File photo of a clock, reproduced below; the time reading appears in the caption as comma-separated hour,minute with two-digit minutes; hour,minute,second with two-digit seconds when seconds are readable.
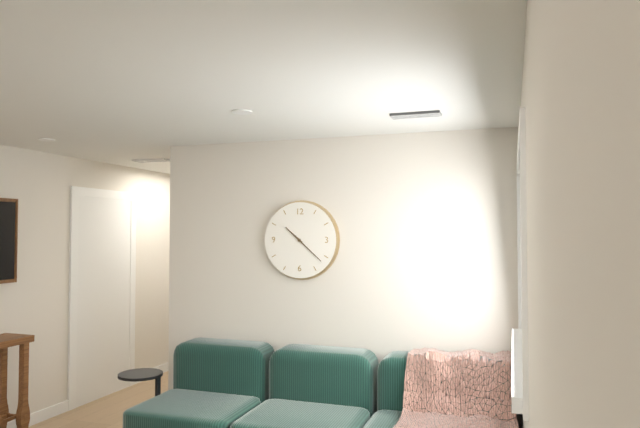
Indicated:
10,22
